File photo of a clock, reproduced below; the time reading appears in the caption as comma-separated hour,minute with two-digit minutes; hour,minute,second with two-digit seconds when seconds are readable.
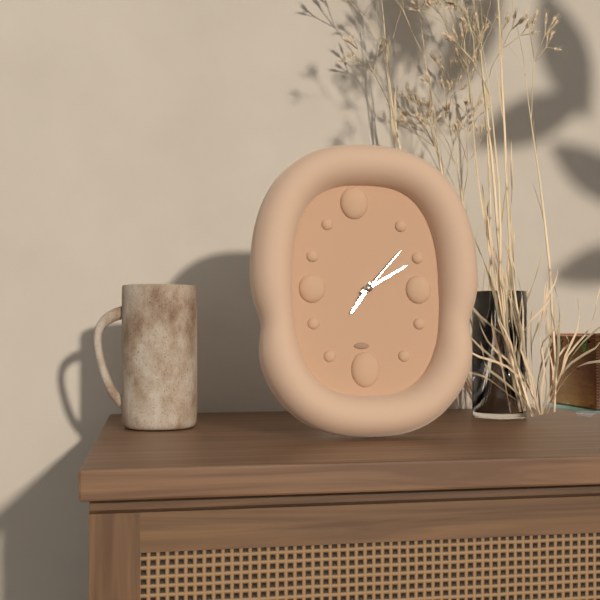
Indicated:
7,10,07
